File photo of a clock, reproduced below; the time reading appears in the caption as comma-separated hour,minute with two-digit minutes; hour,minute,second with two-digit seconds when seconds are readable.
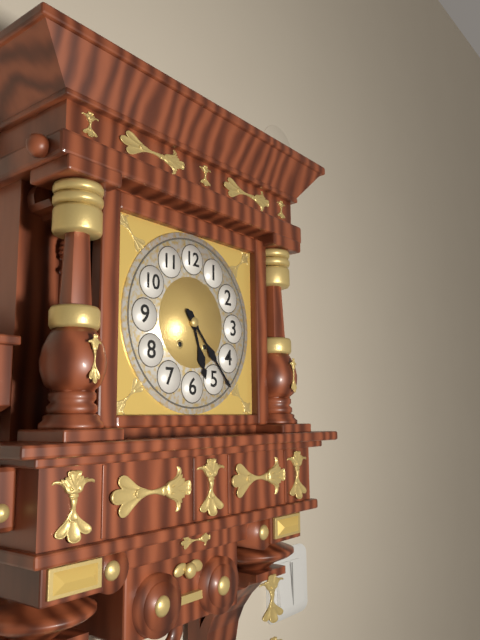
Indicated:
5,23
